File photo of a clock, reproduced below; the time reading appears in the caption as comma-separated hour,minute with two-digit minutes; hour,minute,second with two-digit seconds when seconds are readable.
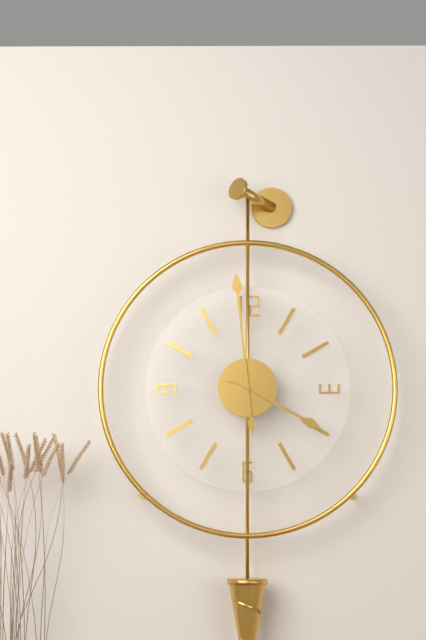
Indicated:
3,59
